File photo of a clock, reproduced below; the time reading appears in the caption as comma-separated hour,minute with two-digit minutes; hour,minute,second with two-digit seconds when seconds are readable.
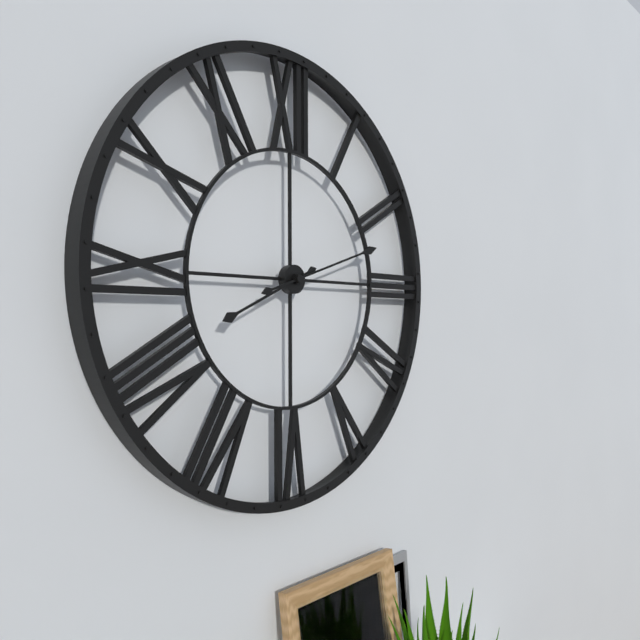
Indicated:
8,12
